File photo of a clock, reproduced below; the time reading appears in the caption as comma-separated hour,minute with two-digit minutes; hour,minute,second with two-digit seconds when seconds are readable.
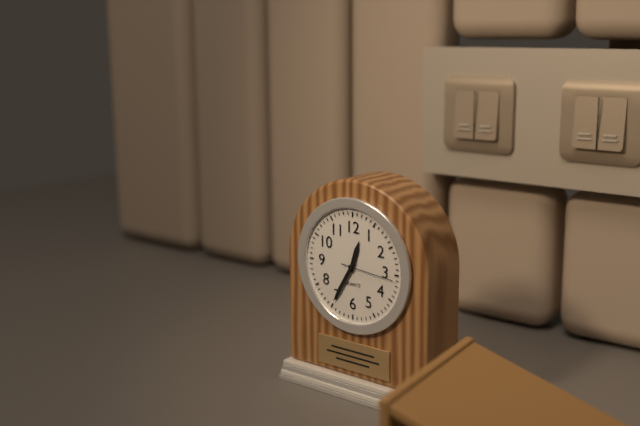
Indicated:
12,35,16
